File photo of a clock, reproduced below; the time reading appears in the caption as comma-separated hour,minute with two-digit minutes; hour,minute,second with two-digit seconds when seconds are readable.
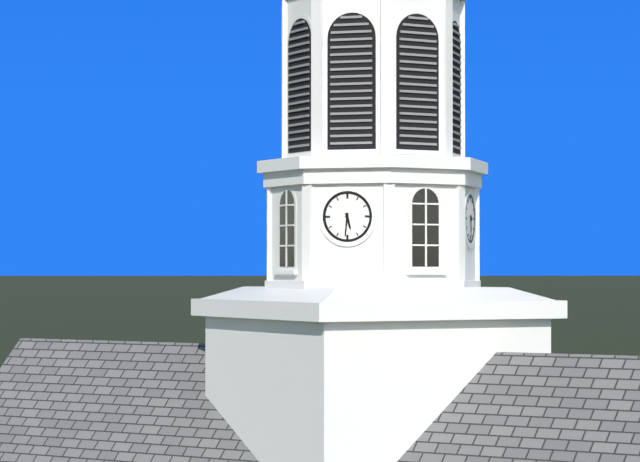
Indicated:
5,31
